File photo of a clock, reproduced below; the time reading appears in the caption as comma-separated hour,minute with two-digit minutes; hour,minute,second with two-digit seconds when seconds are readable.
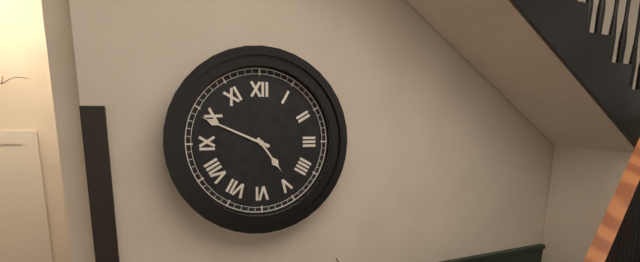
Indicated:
4,49
